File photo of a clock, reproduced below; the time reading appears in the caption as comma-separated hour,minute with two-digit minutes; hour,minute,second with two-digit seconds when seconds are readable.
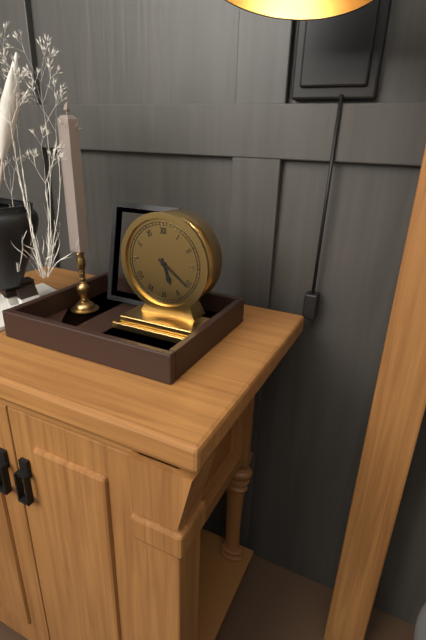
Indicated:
5,21
